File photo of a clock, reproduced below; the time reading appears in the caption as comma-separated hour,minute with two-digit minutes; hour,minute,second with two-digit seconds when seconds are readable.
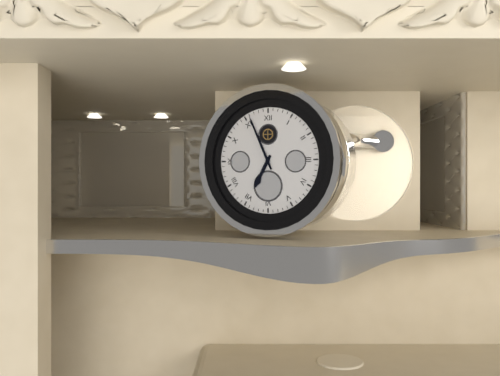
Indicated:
6,56
